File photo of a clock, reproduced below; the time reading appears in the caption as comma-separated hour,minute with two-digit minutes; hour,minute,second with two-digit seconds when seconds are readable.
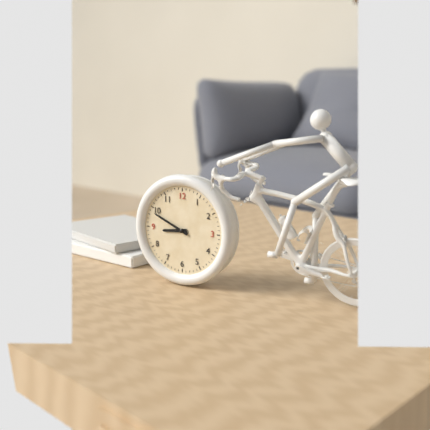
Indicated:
8,49
